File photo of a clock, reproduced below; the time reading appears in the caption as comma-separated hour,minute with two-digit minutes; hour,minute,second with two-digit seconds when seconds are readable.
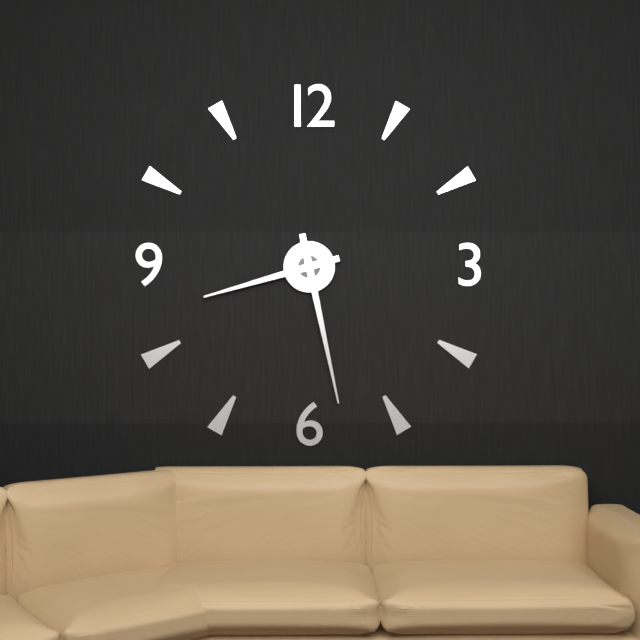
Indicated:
8,28
